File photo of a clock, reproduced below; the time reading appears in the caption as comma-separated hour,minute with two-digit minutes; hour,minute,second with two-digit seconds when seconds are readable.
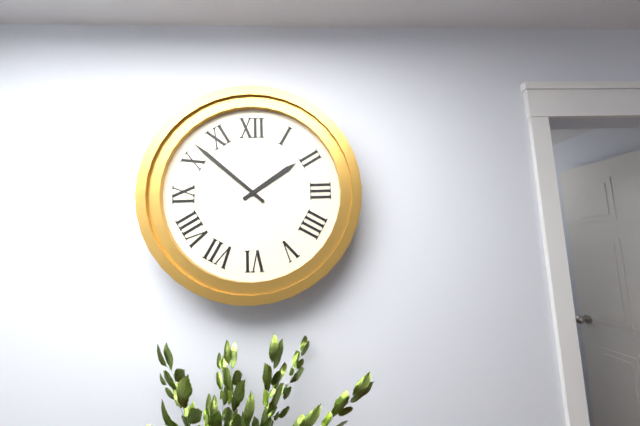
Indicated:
1,52
